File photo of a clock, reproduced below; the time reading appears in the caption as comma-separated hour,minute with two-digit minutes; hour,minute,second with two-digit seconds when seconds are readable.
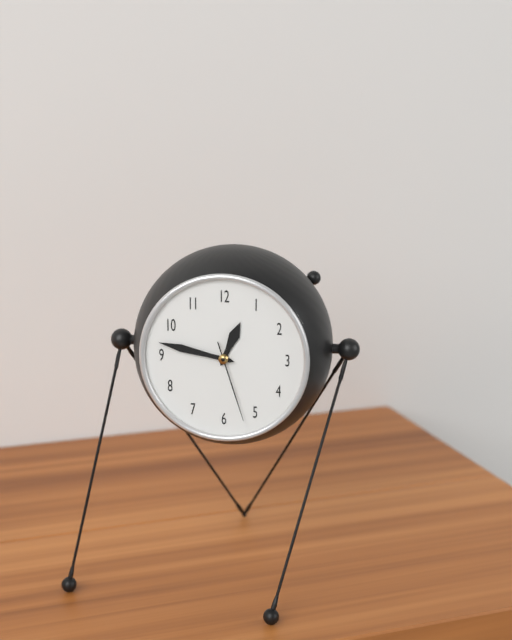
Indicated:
12,47,27
